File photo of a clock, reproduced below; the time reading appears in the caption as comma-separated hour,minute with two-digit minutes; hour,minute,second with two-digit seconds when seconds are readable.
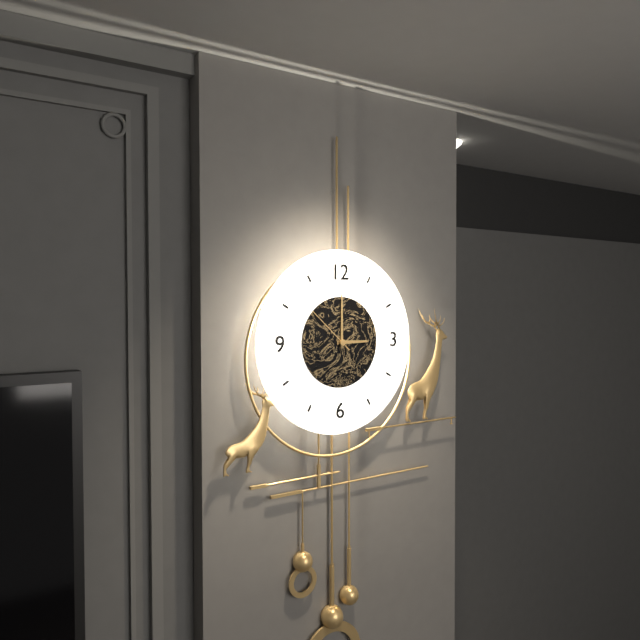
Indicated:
3,00,52
